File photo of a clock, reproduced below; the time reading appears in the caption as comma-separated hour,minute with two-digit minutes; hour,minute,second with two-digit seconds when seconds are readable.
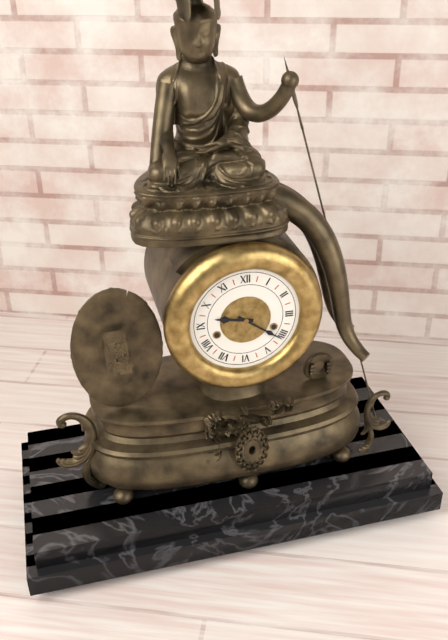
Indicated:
9,21
